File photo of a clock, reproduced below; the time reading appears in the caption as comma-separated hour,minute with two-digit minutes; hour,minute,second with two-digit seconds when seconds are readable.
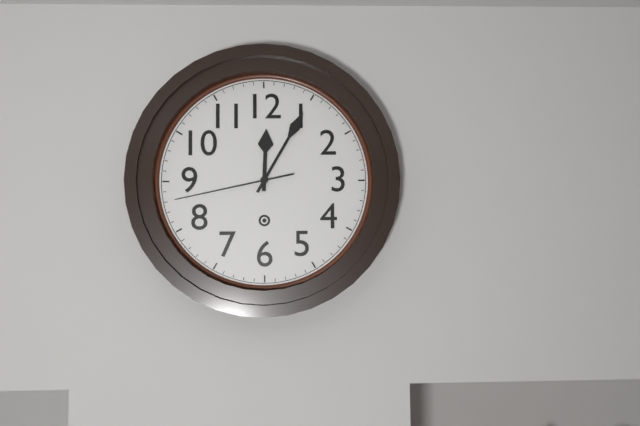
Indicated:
12,05,43
